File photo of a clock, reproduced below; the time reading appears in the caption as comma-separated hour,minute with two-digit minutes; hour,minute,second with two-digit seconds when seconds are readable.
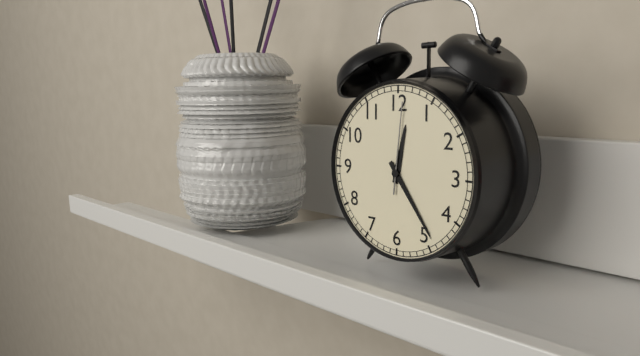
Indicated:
12,24,01
